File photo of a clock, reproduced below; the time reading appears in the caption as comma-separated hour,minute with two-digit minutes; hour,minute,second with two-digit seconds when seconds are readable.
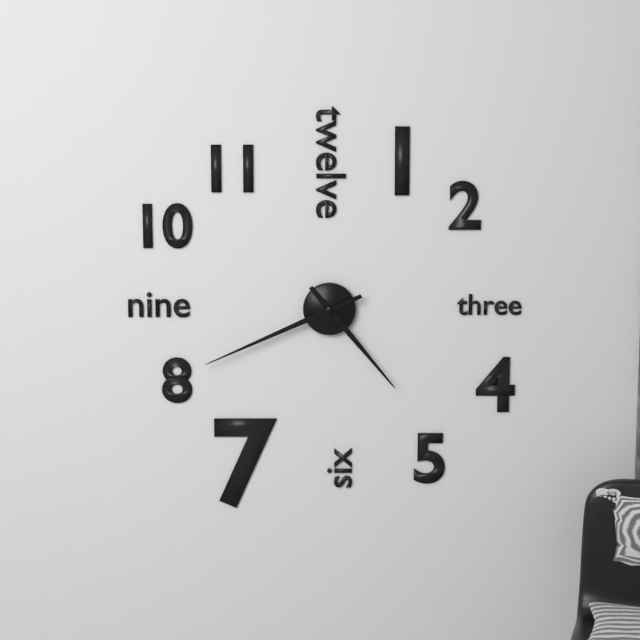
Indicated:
4,41
